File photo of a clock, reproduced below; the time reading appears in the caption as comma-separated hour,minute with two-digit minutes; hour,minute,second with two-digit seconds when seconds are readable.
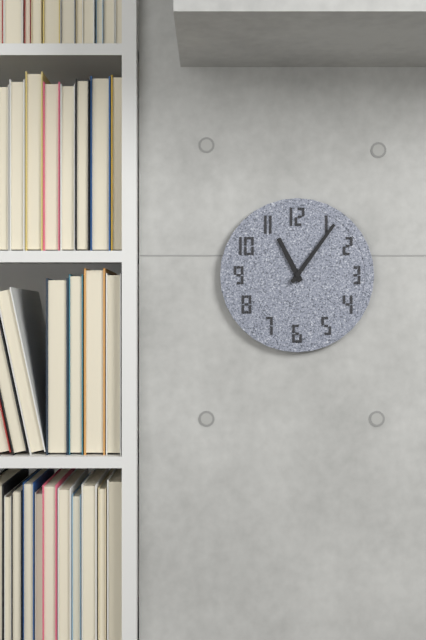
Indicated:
11,06
